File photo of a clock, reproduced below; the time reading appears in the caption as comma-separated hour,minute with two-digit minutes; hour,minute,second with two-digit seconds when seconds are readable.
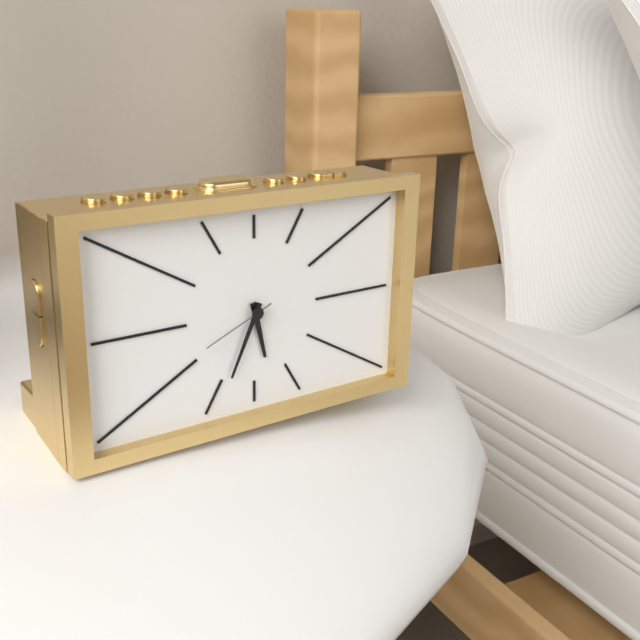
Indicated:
5,34,41
